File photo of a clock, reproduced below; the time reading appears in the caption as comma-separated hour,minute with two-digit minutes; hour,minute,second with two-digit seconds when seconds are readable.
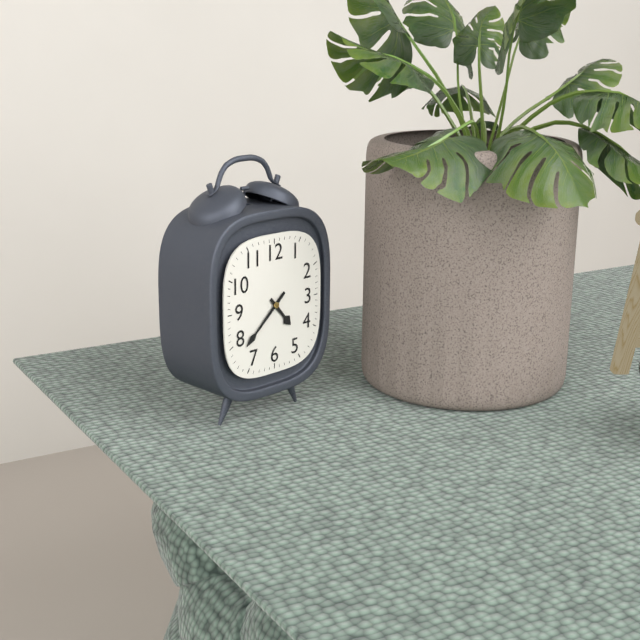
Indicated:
4,38
